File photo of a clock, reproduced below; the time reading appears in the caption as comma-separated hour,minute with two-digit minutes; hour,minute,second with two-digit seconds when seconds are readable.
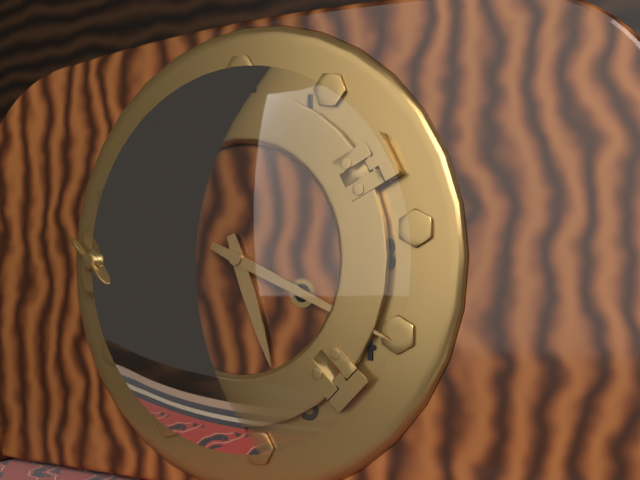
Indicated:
5,19
